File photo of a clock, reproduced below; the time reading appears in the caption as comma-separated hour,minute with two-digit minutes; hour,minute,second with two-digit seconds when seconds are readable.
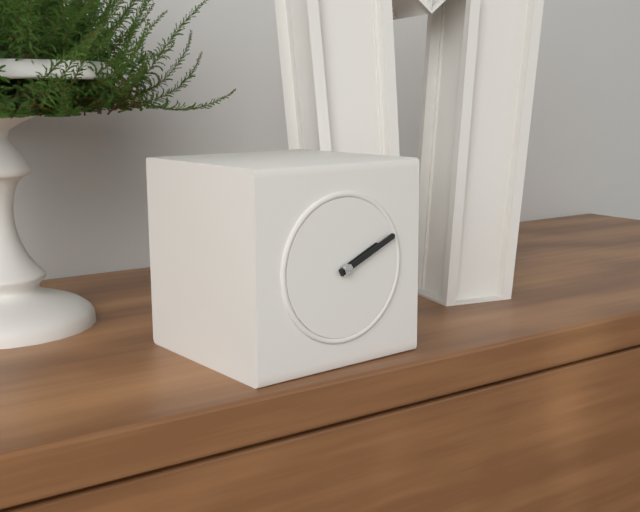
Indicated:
2,11
